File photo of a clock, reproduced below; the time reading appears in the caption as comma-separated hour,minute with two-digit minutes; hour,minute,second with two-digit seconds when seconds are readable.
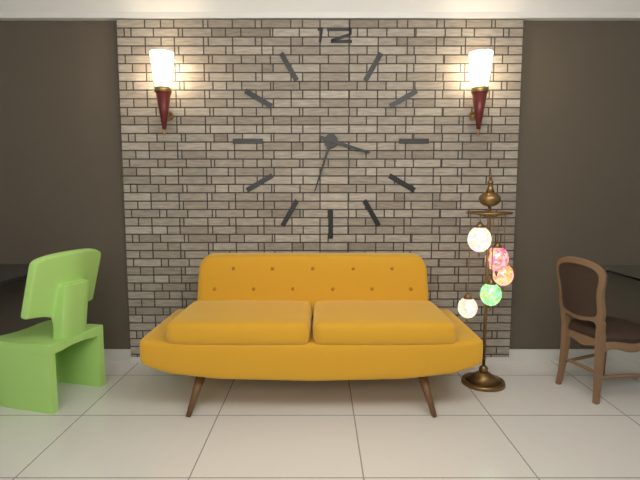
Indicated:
3,33
